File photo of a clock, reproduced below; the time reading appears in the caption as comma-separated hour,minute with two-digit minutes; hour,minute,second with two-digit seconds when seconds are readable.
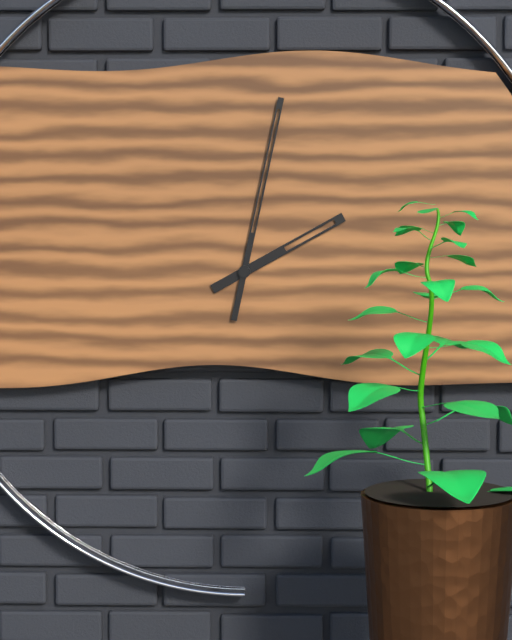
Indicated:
2,02
